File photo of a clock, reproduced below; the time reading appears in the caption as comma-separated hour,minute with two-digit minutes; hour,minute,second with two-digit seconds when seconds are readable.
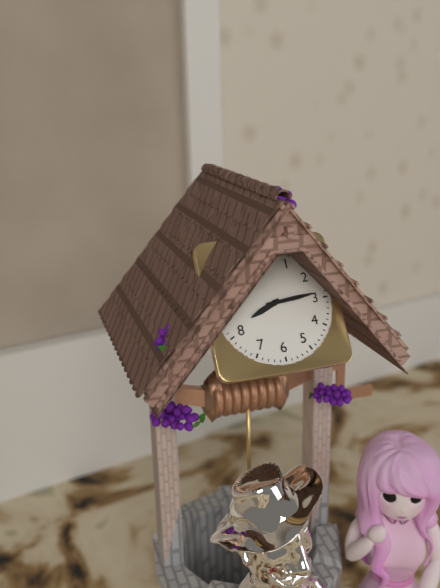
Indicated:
8,14
